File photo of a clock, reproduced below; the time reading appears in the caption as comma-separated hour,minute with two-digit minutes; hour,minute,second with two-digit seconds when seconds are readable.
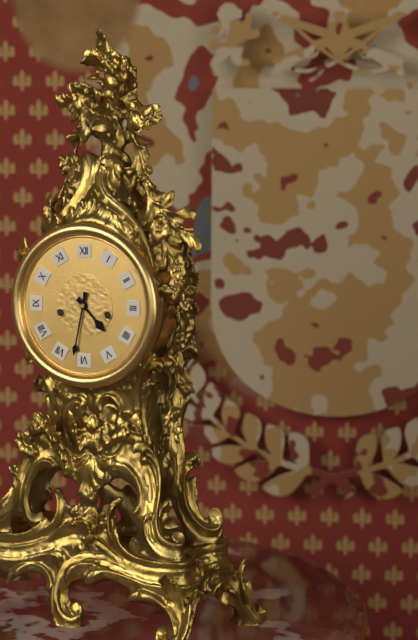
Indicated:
4,32
